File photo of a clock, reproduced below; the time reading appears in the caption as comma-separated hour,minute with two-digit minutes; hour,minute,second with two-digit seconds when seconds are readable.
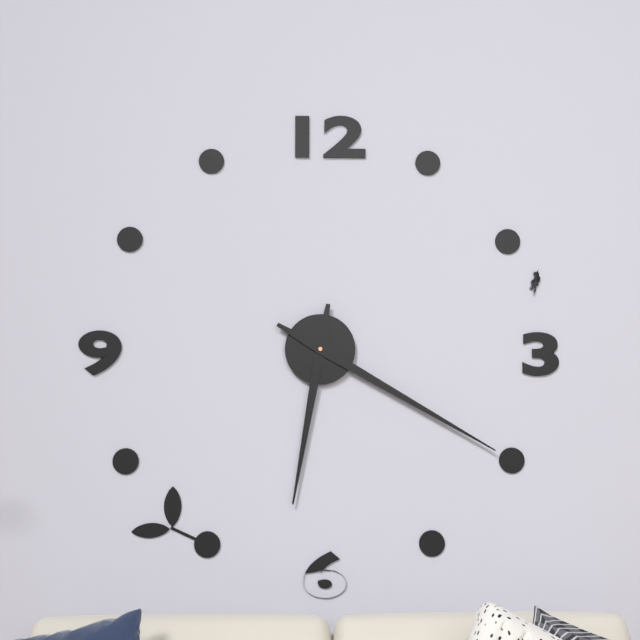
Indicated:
6,20
